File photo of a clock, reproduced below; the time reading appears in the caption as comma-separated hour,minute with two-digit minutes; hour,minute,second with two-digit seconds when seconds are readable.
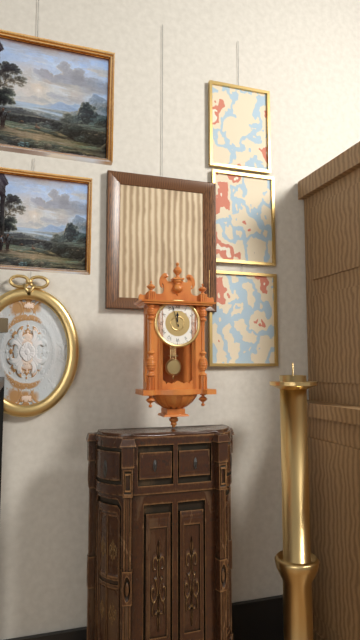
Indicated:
11,57
